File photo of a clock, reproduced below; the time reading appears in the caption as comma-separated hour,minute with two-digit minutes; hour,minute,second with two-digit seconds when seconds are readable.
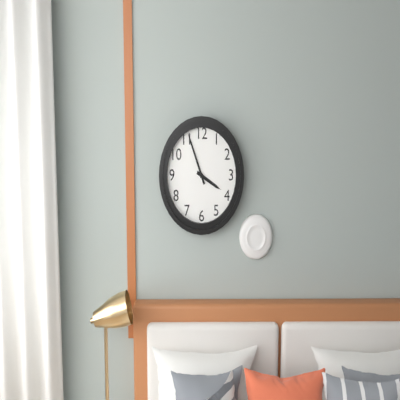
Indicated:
3,56
